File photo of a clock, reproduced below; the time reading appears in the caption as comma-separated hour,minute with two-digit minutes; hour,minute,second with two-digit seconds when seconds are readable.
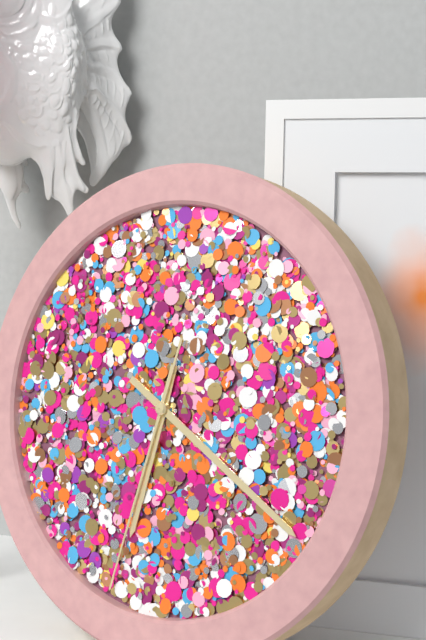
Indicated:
6,20,32
